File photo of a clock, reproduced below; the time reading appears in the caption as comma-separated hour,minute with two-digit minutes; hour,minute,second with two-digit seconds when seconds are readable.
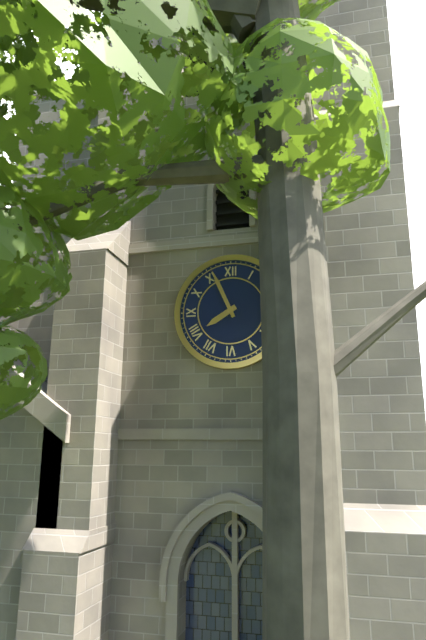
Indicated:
7,56
